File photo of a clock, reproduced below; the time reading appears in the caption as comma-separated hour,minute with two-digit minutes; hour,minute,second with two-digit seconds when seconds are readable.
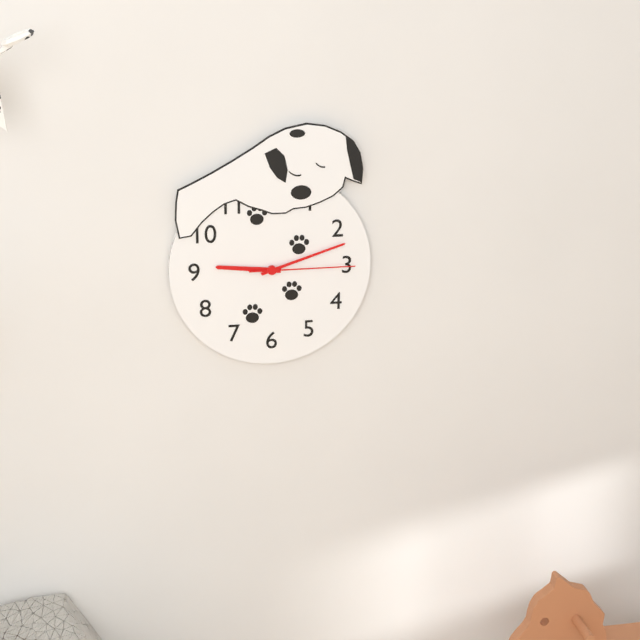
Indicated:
9,12,15
